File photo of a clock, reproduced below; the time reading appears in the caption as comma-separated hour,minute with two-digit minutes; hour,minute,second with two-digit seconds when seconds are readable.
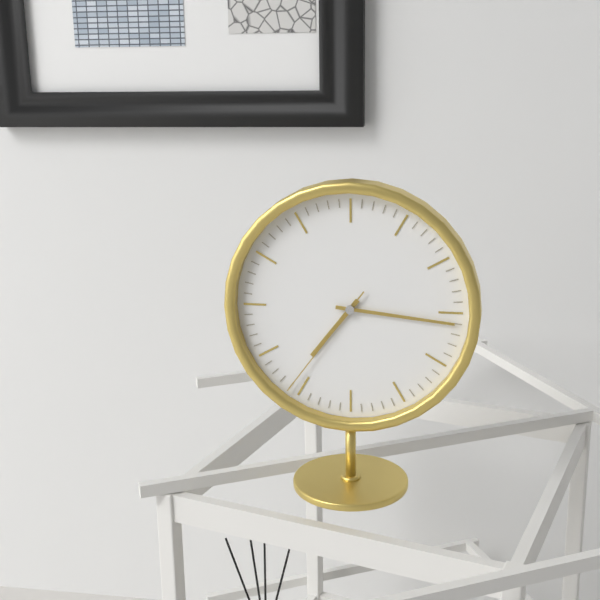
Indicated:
7,16,36
